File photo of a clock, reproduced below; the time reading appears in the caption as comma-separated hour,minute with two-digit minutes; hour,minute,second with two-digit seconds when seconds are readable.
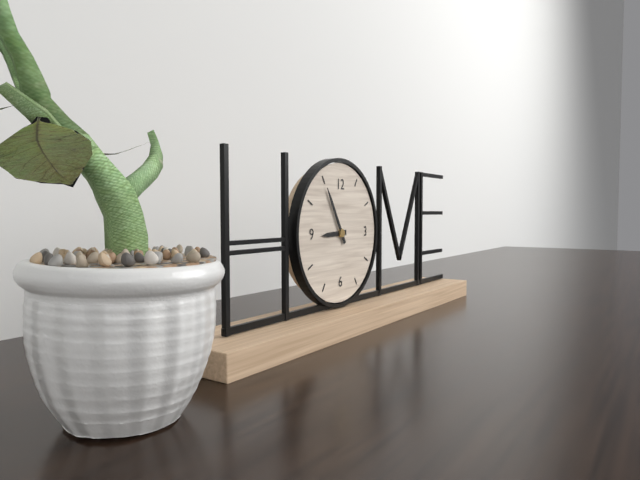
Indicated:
8,55
